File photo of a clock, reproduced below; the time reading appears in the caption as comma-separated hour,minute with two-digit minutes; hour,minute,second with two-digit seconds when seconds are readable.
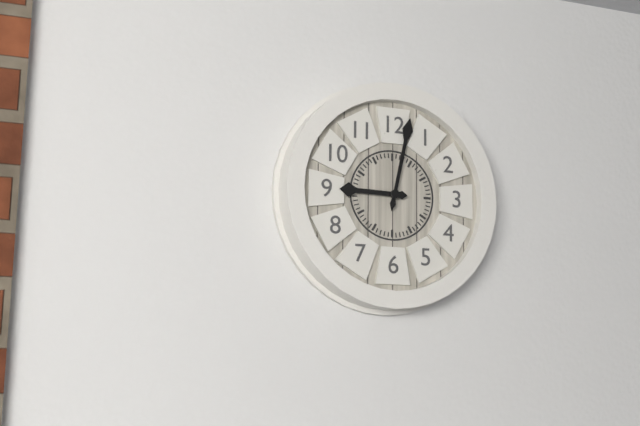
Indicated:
9,02
